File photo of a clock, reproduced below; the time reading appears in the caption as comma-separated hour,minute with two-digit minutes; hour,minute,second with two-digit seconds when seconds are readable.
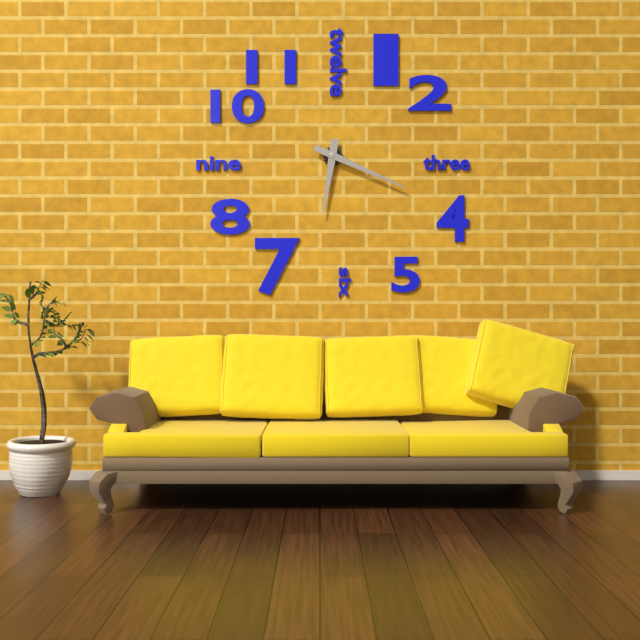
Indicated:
6,19
